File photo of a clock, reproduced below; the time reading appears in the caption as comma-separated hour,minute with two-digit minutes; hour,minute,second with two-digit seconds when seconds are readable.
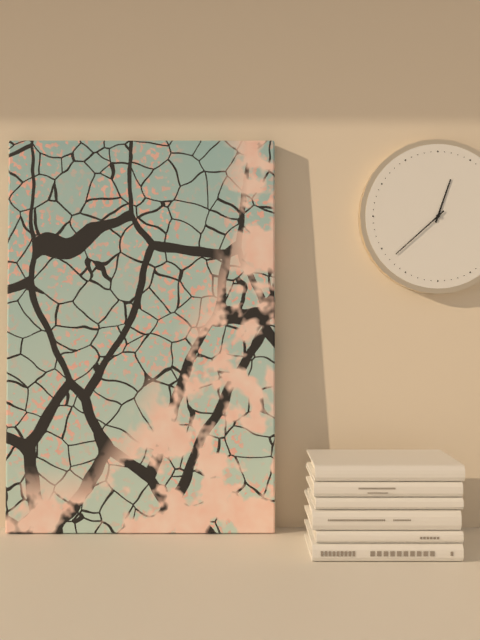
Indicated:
12,38
